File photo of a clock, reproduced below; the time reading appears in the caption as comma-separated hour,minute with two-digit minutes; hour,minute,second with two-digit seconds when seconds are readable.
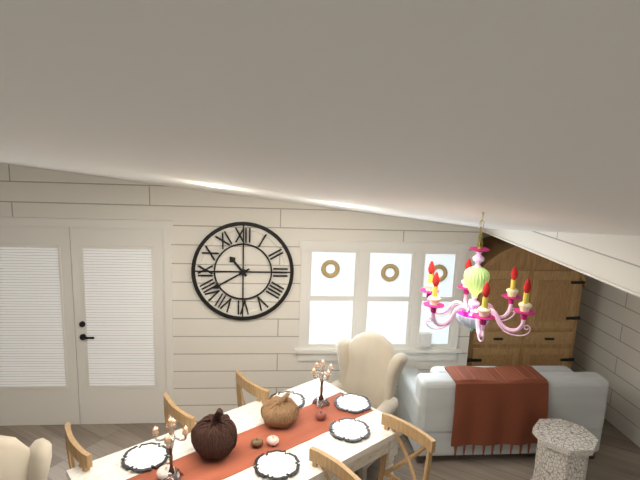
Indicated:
10,40
